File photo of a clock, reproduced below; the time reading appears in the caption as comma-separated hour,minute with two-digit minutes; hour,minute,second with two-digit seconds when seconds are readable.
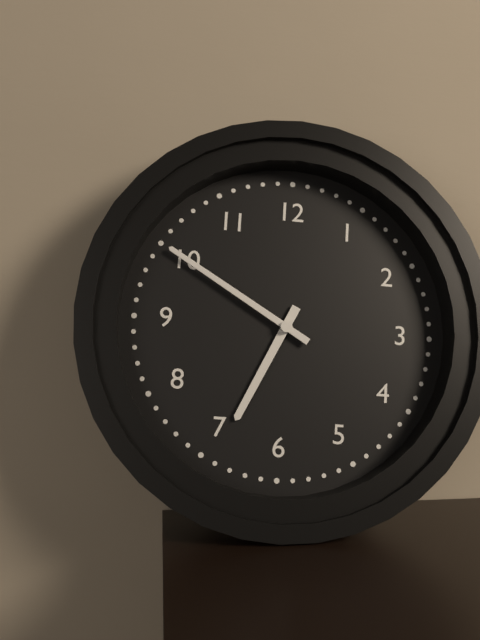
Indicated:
6,50
